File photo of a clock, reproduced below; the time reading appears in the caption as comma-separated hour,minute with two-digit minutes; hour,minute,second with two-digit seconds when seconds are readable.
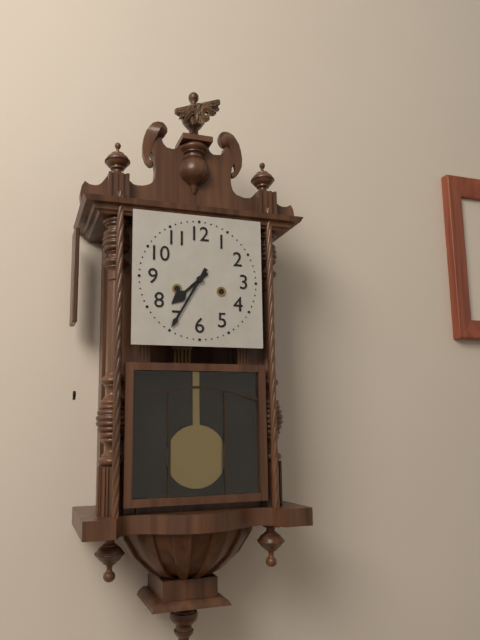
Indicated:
7,35
